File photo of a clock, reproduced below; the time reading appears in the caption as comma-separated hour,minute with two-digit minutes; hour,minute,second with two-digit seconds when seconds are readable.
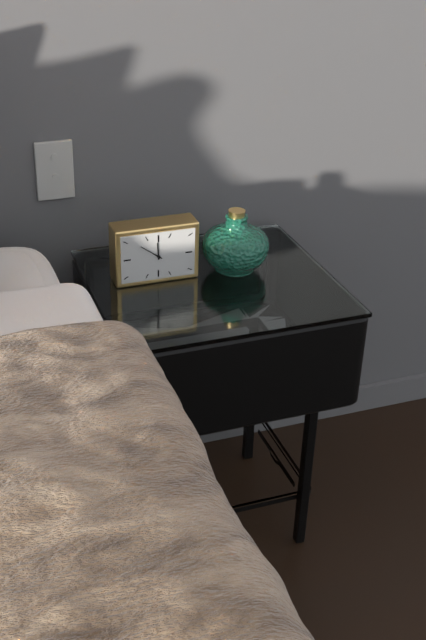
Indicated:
11,51
